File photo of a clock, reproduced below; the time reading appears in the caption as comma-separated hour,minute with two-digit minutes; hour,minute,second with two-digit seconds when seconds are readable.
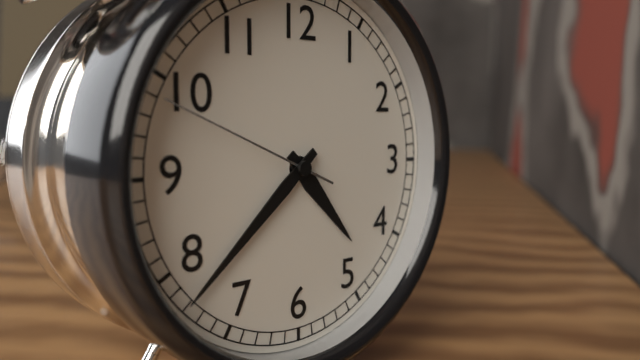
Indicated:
4,38,49
